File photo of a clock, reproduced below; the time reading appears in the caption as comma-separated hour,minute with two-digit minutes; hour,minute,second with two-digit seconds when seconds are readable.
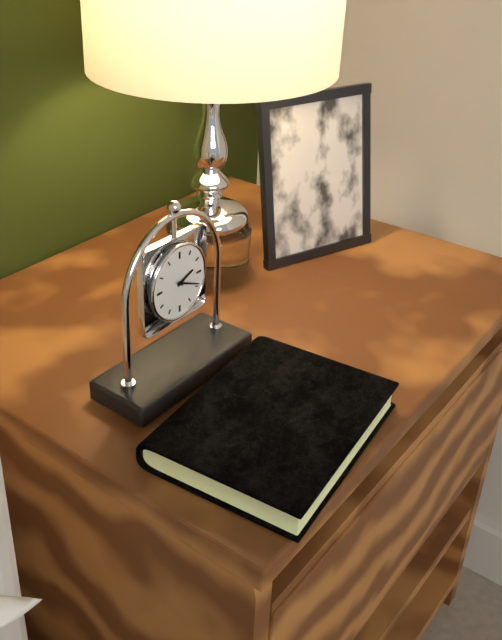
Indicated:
2,19
